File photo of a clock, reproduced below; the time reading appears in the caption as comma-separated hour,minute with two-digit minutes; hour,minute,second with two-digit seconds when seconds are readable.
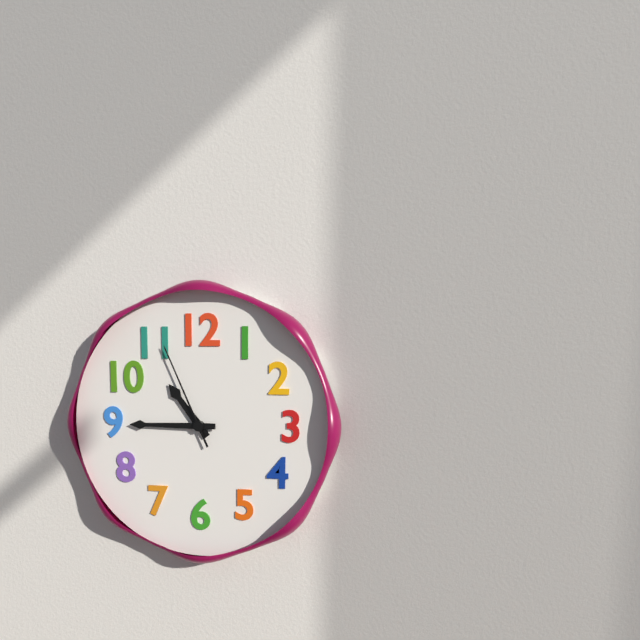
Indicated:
10,45,56
